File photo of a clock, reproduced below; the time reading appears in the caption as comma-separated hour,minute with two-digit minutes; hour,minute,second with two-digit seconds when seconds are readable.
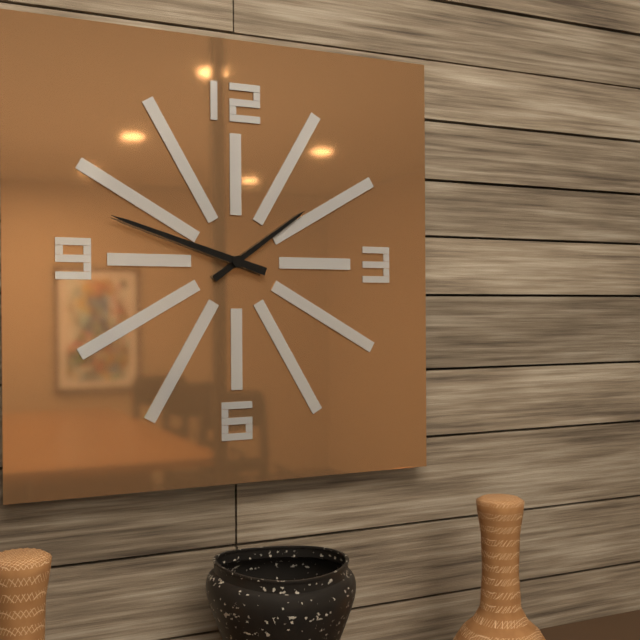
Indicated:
1,48
